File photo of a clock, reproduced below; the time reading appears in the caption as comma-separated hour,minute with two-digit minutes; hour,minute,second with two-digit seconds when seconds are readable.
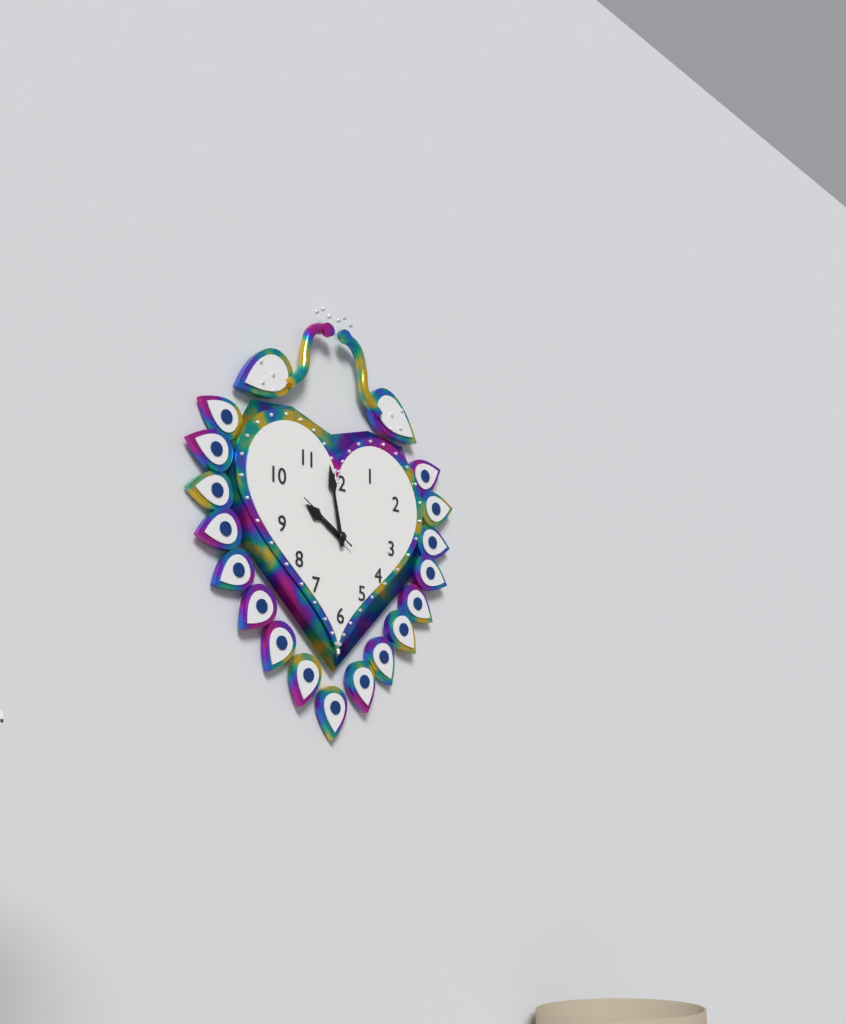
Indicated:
9,58,50
